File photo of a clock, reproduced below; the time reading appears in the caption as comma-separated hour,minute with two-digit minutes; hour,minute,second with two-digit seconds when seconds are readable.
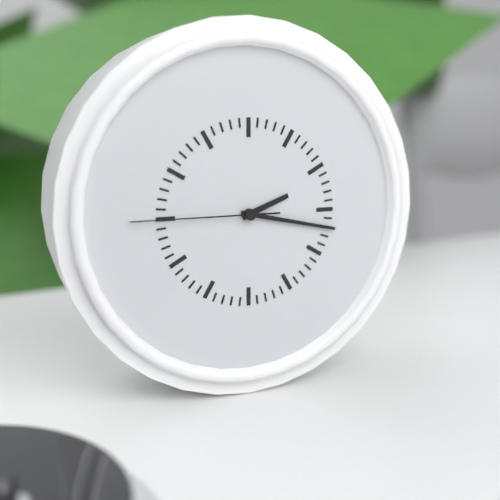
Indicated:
2,17,45
